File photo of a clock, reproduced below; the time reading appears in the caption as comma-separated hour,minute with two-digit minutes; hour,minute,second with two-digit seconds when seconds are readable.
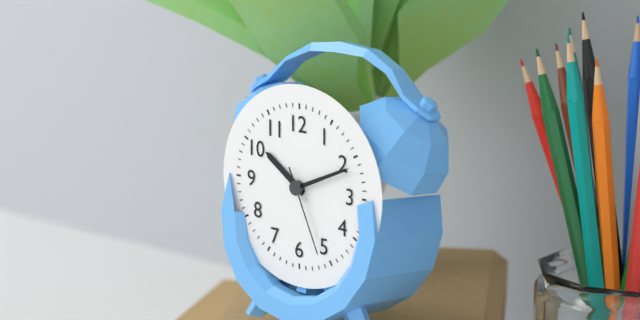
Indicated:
10,11,26
